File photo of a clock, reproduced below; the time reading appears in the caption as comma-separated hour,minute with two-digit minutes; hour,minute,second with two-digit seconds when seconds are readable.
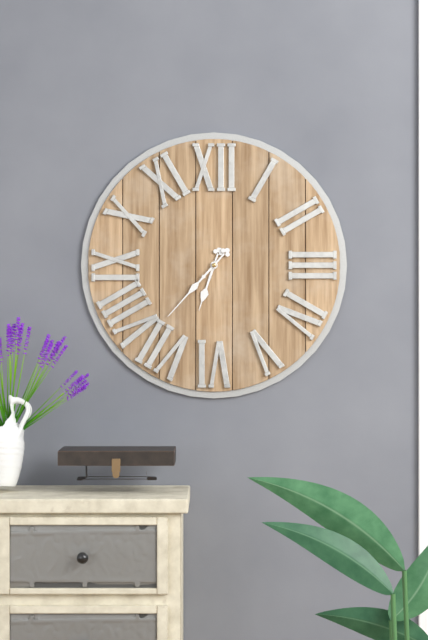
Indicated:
6,37
